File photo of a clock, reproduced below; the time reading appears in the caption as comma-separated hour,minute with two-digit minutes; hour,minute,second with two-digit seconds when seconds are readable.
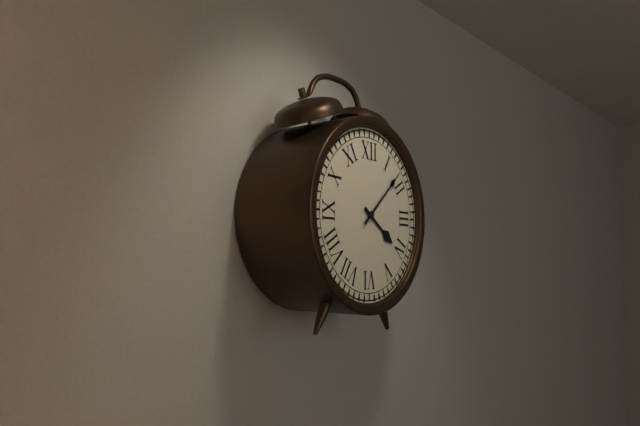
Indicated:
4,08
